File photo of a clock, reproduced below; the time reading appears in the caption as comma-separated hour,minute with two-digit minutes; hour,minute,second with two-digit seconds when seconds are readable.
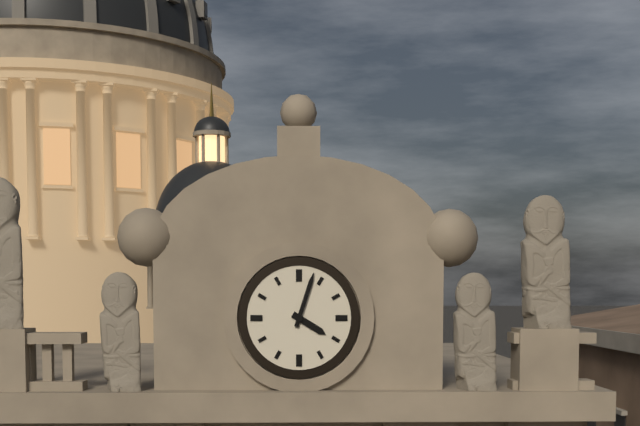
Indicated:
4,03
